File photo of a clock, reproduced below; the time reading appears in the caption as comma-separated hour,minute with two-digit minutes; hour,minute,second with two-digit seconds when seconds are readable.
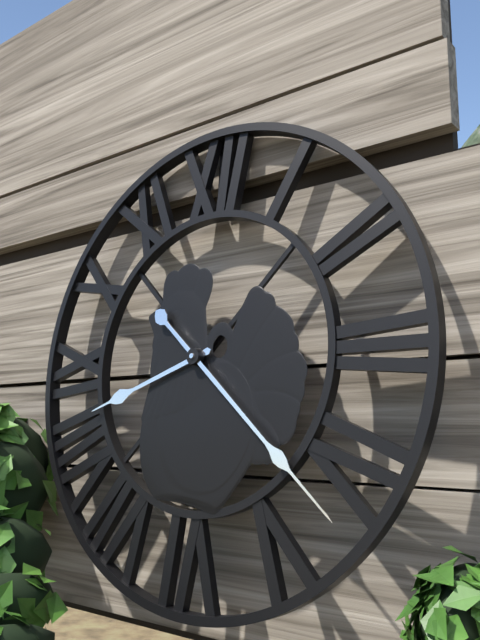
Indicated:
8,22
